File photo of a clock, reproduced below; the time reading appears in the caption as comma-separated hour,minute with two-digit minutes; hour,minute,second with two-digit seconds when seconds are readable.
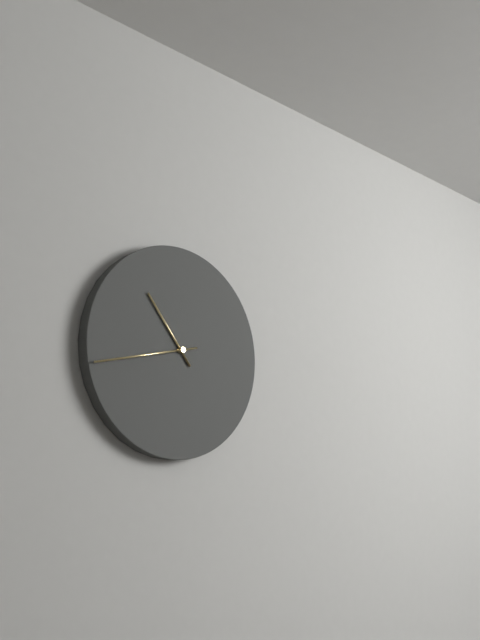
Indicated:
10,43
